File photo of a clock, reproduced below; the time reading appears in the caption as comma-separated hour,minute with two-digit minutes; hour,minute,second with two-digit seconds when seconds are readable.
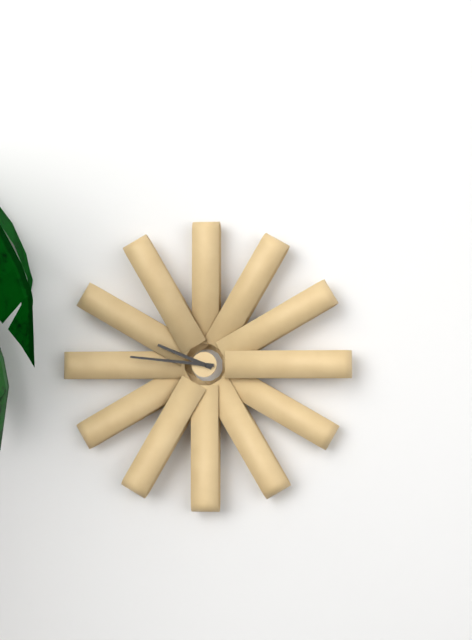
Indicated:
9,46
